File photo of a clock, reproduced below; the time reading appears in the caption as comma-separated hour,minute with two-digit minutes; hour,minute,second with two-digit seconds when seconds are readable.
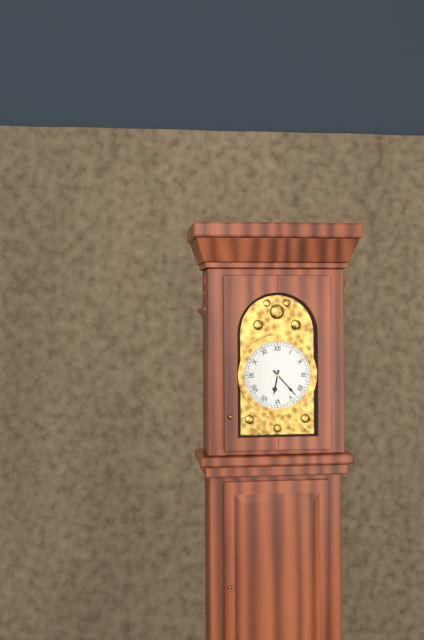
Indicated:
6,23
